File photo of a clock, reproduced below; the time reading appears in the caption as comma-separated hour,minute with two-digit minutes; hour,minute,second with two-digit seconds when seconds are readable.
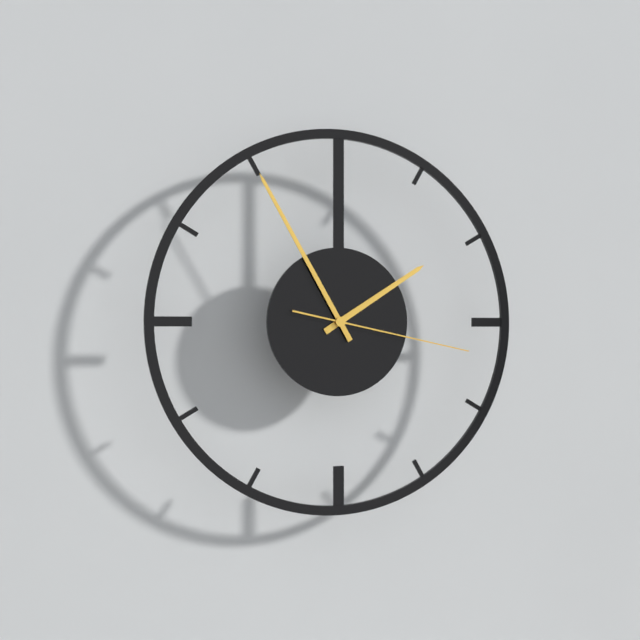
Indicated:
1,55,17
